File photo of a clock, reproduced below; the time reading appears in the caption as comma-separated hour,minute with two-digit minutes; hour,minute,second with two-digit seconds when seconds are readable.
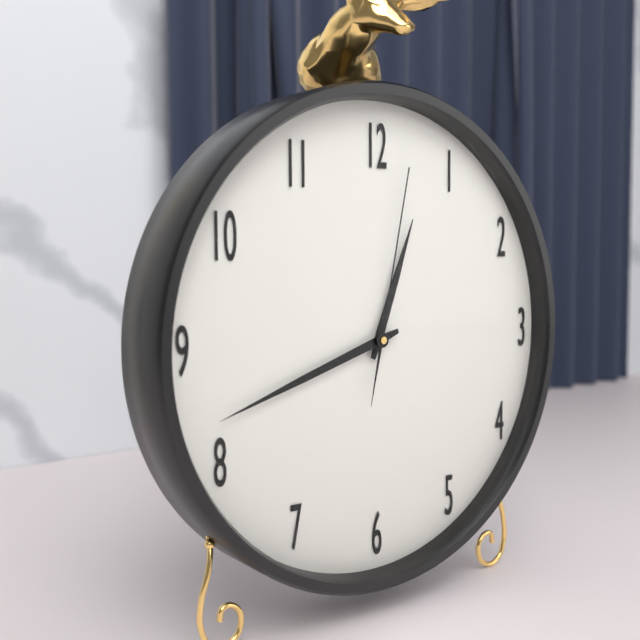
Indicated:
12,42,02
